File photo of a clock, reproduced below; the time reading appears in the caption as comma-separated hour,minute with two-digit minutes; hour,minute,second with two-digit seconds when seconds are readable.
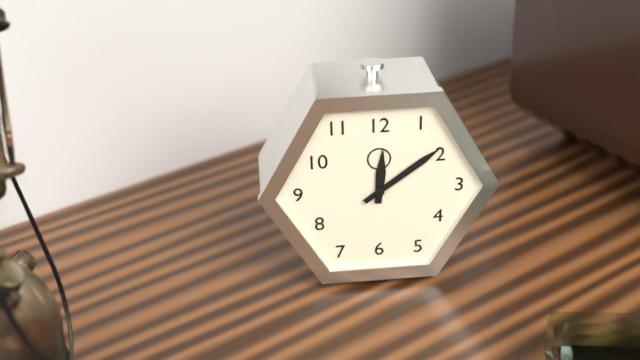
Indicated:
12,09
